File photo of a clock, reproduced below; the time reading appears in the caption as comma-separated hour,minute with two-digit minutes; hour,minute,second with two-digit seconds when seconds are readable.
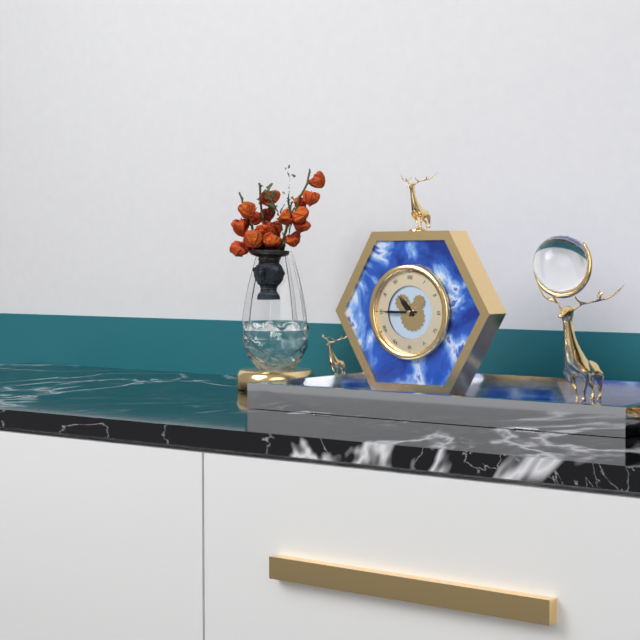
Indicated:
10,45
